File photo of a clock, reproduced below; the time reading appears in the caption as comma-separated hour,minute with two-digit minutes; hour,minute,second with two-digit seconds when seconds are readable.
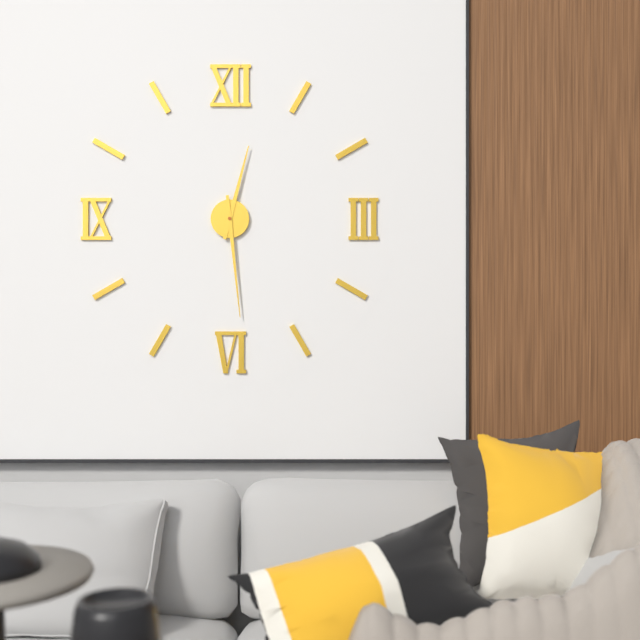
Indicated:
12,29
